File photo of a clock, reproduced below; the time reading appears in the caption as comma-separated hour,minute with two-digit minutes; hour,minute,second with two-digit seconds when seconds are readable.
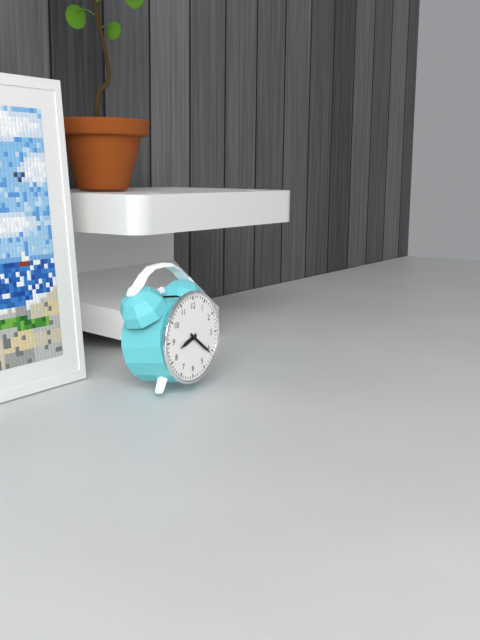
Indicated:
8,21
